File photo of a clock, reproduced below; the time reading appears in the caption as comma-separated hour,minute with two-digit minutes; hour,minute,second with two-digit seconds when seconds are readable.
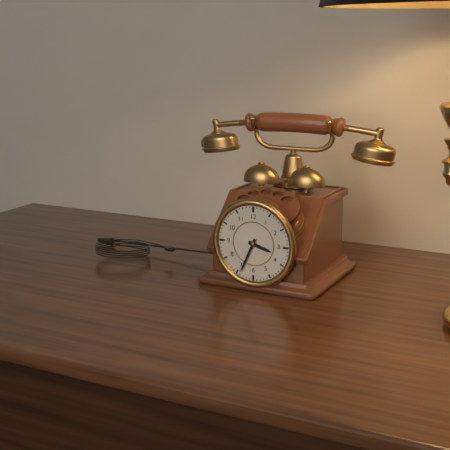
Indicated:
3,34
